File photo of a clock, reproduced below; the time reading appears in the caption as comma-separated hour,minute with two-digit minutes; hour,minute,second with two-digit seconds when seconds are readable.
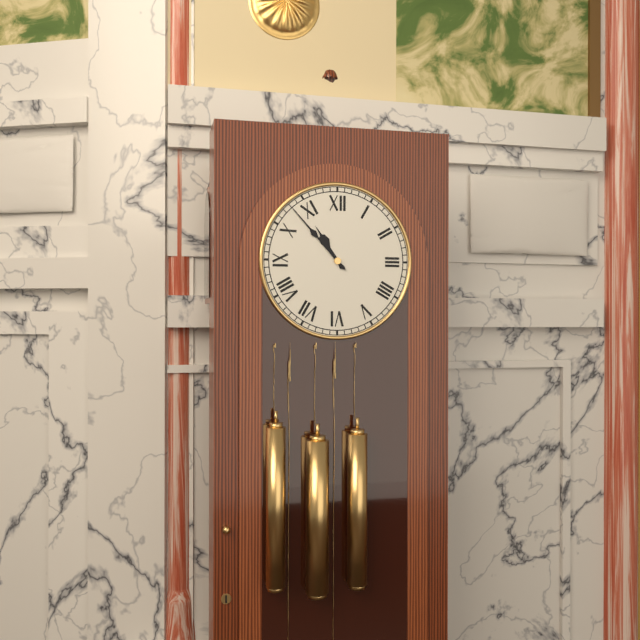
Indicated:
10,53
